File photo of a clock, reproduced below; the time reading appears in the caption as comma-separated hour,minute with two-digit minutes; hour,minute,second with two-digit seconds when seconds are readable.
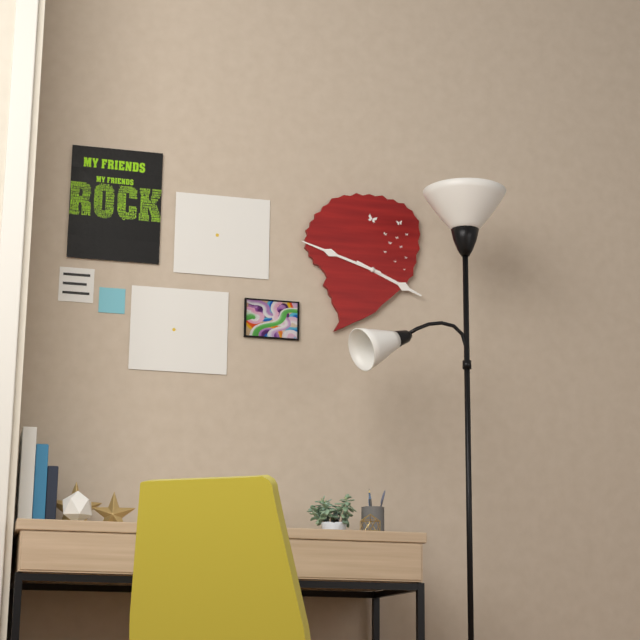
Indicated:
3,48
